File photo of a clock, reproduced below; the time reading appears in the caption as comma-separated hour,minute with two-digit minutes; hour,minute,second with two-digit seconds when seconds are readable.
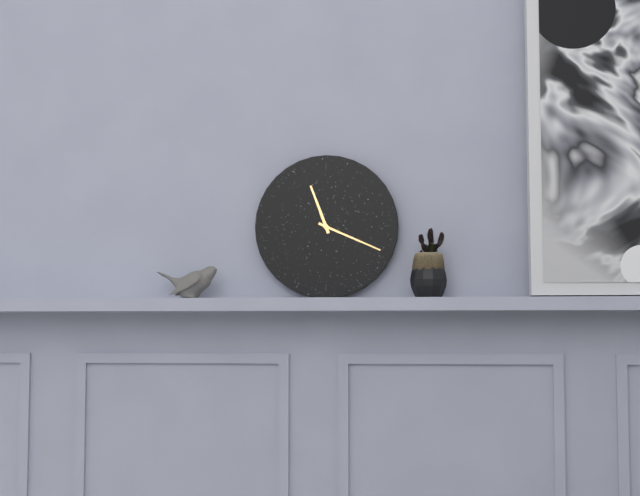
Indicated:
11,19
